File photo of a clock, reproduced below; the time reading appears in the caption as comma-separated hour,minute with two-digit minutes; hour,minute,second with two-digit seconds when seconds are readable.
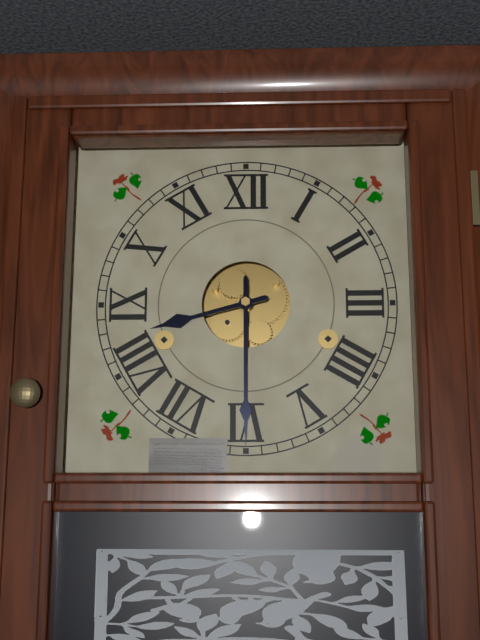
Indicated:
8,30
